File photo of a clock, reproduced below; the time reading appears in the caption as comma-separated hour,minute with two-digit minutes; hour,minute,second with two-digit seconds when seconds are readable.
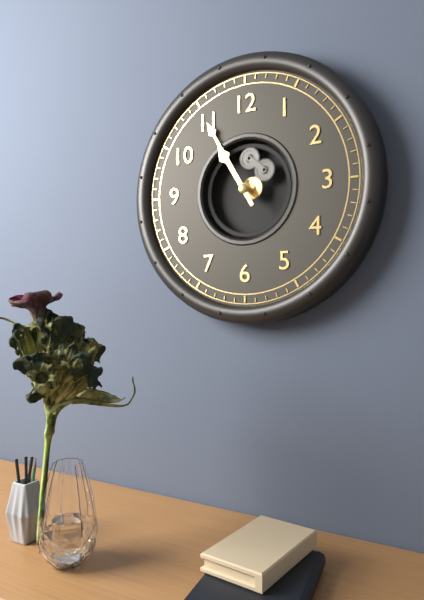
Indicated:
10,55
